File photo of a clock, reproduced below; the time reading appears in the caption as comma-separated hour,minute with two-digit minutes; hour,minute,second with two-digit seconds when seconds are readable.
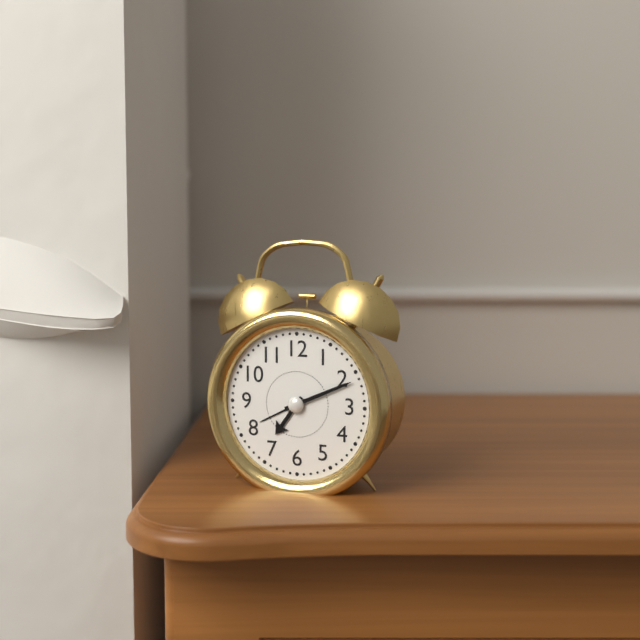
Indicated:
7,11
